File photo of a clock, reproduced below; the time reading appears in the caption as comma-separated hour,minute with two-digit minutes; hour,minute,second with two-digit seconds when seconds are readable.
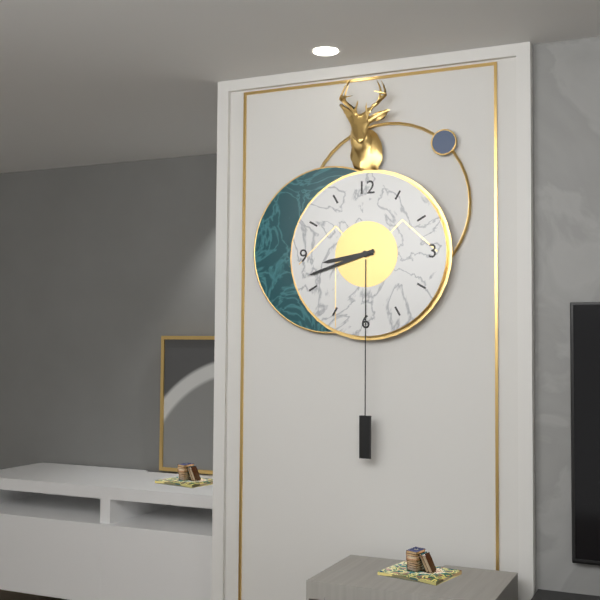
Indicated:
8,42
